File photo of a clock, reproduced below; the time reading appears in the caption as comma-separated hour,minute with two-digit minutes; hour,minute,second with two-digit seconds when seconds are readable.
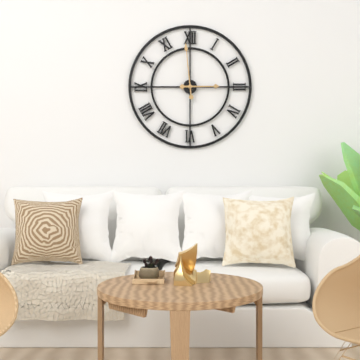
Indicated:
2,59
